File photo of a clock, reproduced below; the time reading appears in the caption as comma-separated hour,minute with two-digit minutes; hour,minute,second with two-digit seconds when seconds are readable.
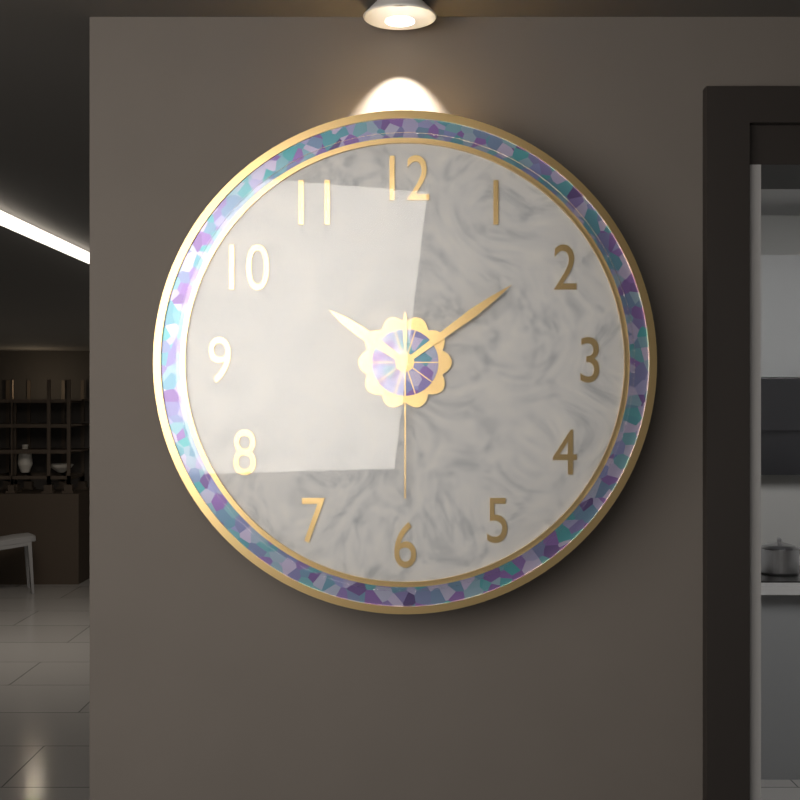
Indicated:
10,09,30
